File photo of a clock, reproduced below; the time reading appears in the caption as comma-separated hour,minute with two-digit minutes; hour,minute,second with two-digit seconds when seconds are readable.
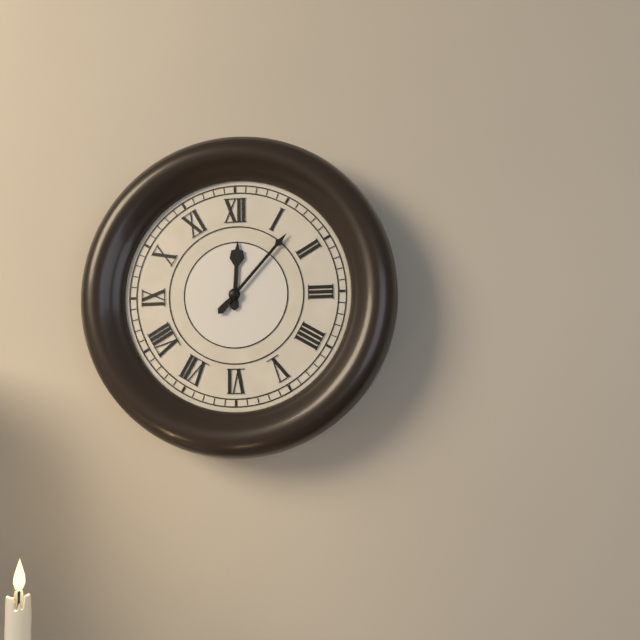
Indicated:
12,07
